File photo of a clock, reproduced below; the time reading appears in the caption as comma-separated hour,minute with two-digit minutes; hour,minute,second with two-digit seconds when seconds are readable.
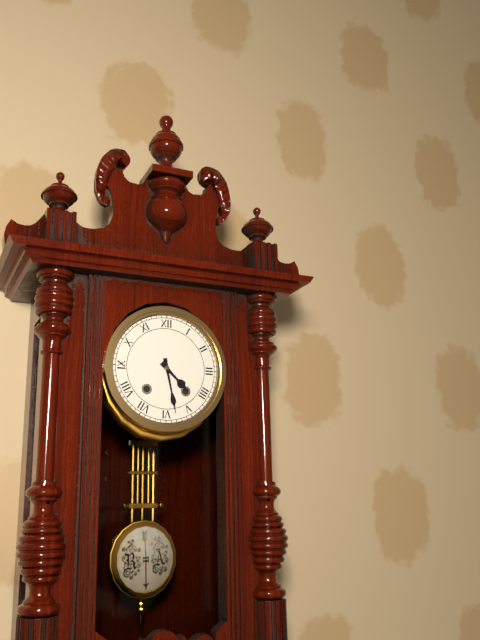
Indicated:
4,28
